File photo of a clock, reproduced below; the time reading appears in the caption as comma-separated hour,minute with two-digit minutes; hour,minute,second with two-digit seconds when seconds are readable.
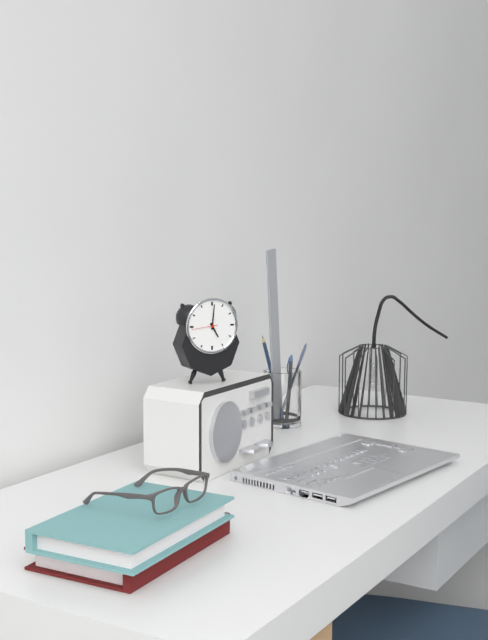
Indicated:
5,01
